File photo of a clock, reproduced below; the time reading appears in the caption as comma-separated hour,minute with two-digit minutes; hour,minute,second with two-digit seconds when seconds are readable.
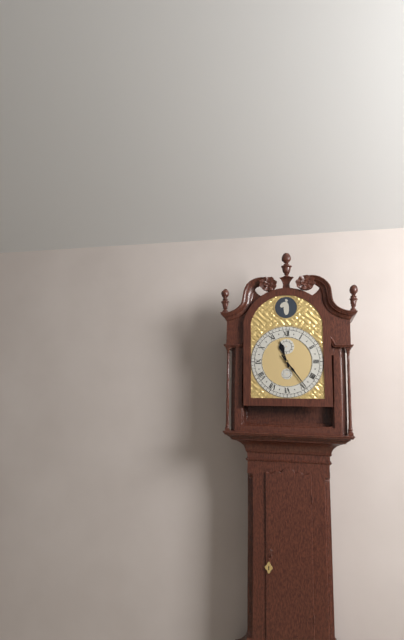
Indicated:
11,24
